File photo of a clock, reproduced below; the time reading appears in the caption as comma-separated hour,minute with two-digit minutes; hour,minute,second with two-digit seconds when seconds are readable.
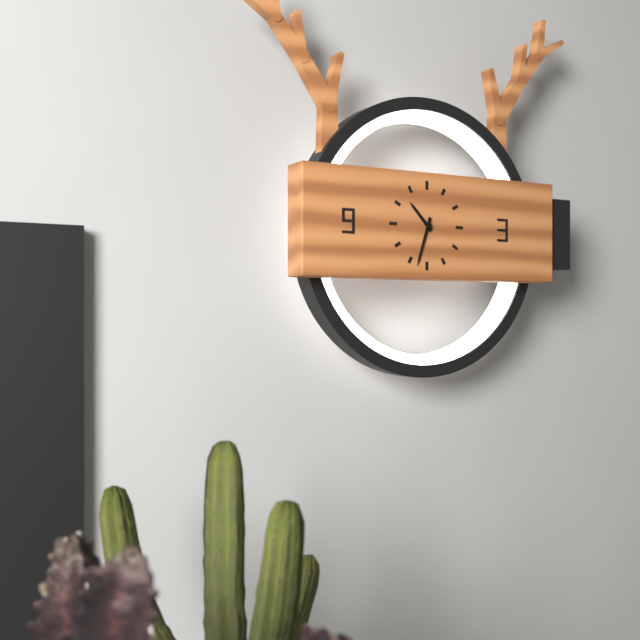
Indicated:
10,33
